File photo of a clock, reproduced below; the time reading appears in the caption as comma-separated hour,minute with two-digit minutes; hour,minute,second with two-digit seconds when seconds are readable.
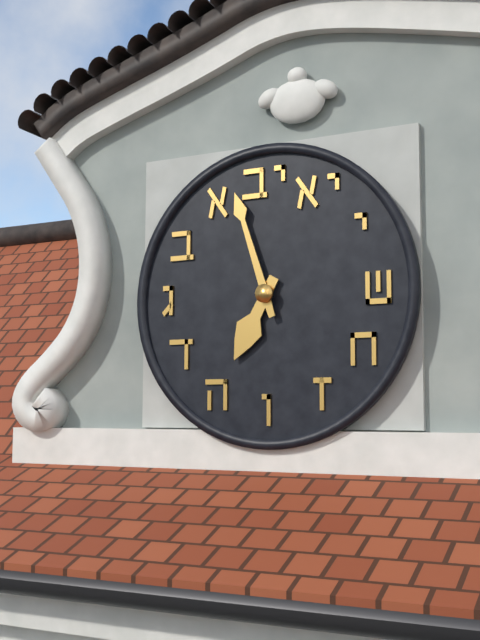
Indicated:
6,57
